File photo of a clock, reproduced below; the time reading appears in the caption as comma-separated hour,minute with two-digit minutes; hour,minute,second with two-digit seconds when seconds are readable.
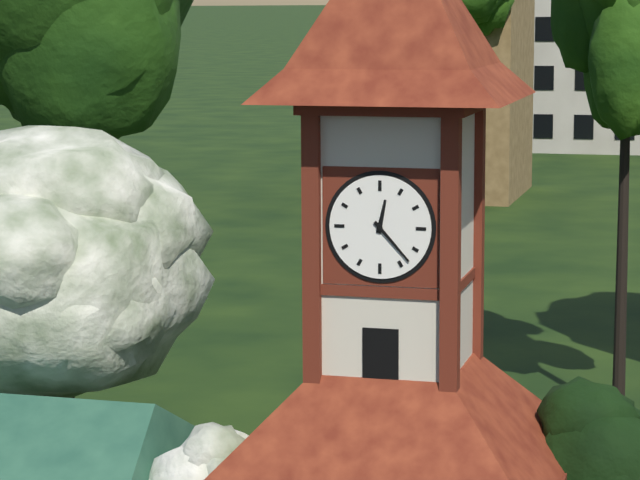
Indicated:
12,23
